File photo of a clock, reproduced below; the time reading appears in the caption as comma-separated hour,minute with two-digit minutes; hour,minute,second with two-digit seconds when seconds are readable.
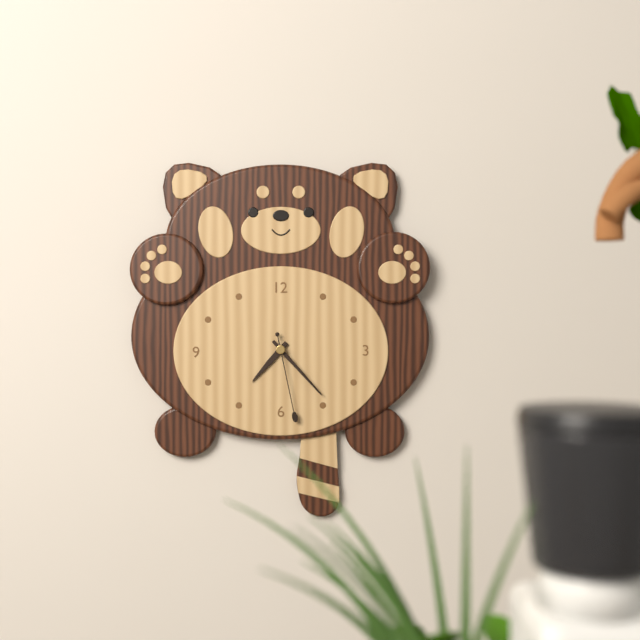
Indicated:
7,23,28
